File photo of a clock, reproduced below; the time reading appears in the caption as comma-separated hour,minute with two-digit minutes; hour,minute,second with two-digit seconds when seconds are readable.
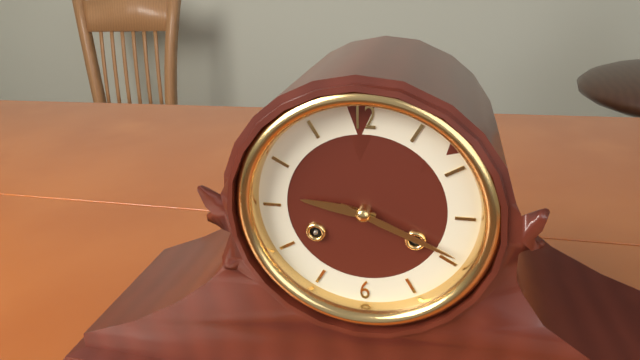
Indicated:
9,19
